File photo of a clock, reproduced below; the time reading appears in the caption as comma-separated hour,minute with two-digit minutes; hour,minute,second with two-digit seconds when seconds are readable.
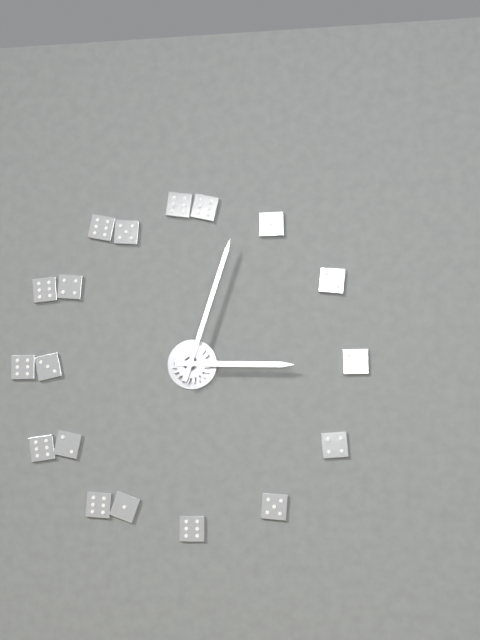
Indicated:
3,03
